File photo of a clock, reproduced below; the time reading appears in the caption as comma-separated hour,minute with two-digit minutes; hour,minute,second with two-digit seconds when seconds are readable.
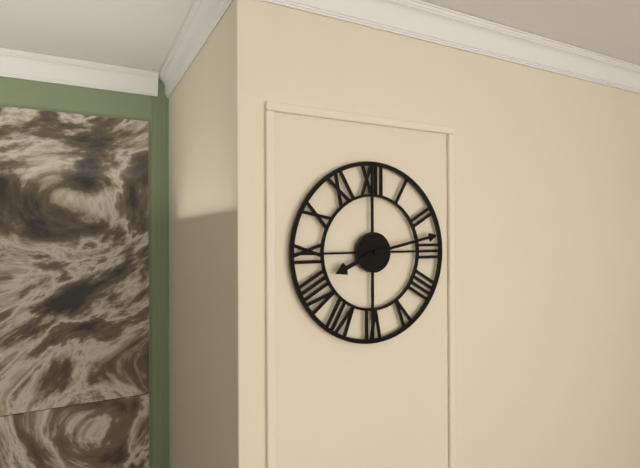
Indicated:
8,13
